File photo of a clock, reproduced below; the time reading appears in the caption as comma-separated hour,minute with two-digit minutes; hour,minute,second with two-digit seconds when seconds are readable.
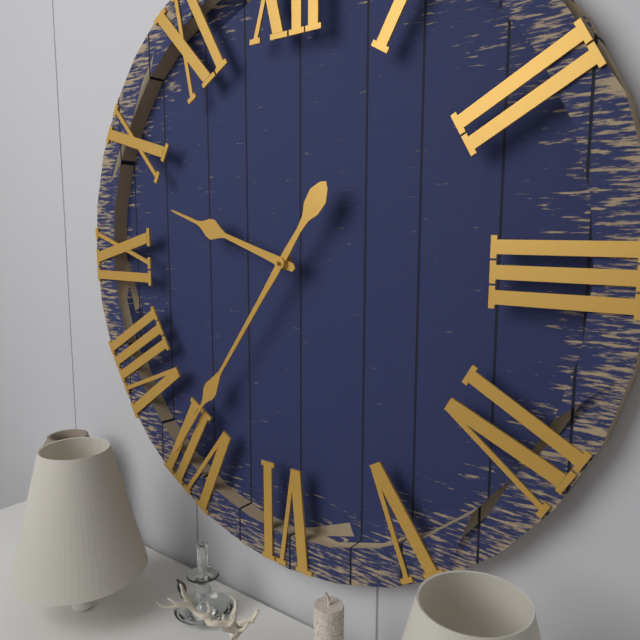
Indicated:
9,36
